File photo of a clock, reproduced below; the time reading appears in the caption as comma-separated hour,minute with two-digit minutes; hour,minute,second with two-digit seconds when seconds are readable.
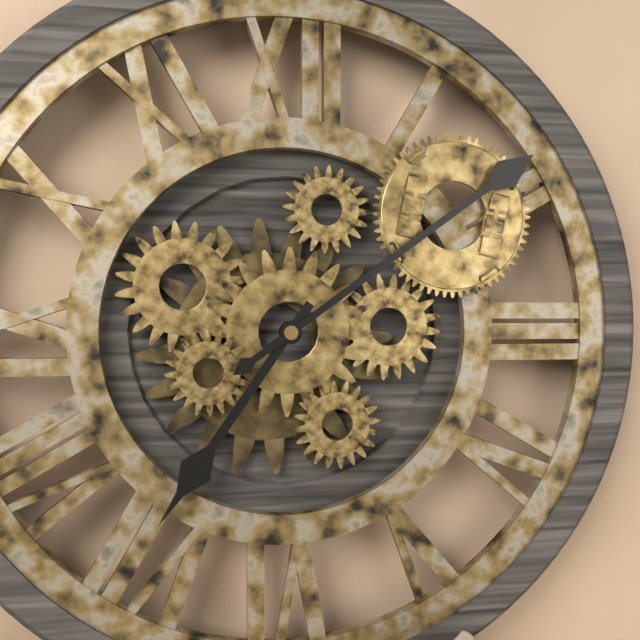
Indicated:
7,09
